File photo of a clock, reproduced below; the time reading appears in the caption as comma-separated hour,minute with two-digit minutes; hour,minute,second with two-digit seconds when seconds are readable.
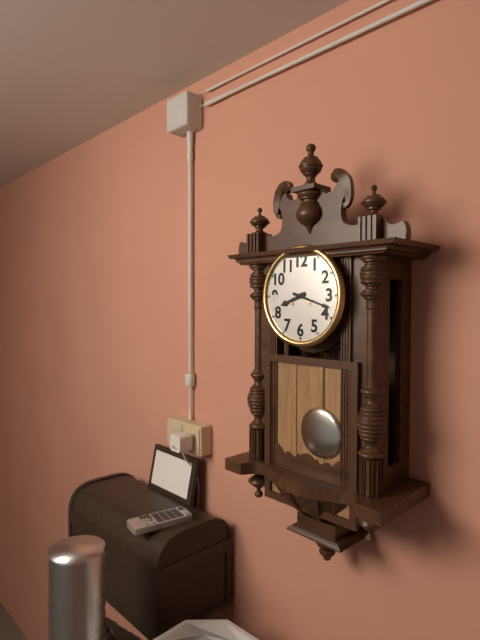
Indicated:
8,18
